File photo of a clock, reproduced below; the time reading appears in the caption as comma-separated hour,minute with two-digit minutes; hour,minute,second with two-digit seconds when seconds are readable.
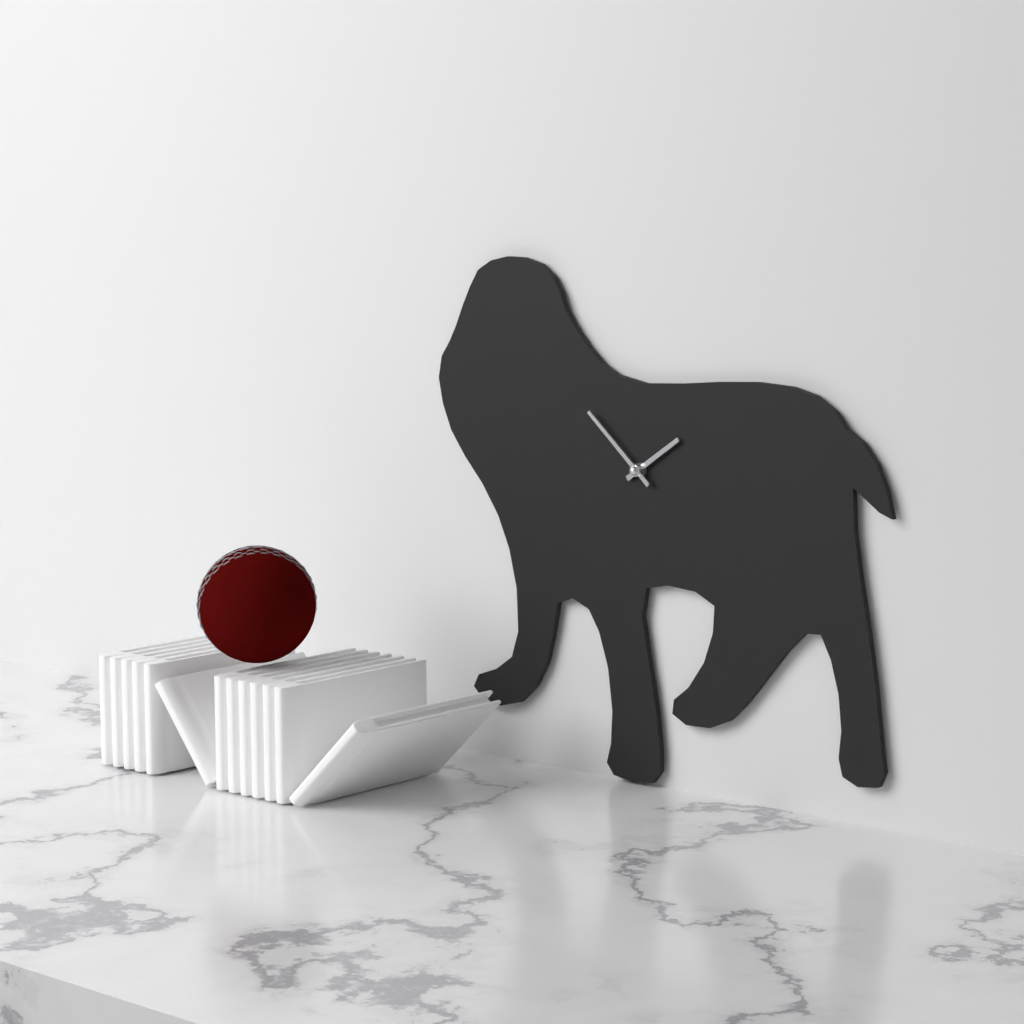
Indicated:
1,52
